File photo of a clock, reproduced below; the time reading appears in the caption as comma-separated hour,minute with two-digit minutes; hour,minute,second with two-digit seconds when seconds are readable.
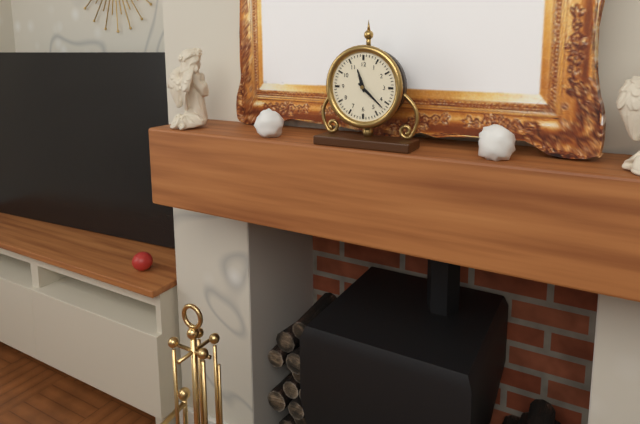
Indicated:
11,22
